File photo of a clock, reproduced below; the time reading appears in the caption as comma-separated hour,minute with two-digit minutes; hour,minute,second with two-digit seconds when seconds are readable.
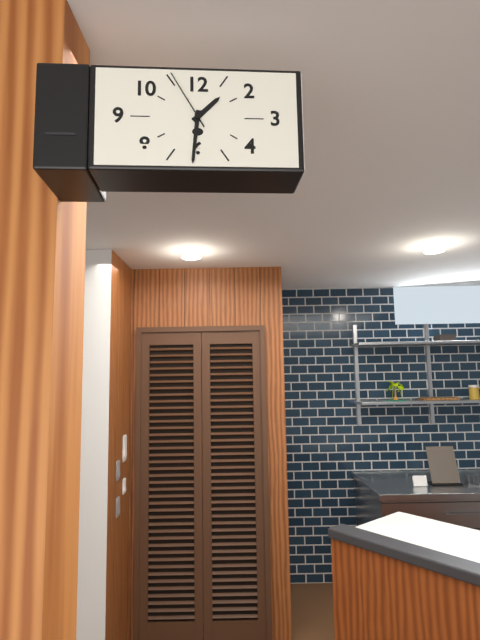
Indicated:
1,31,55
